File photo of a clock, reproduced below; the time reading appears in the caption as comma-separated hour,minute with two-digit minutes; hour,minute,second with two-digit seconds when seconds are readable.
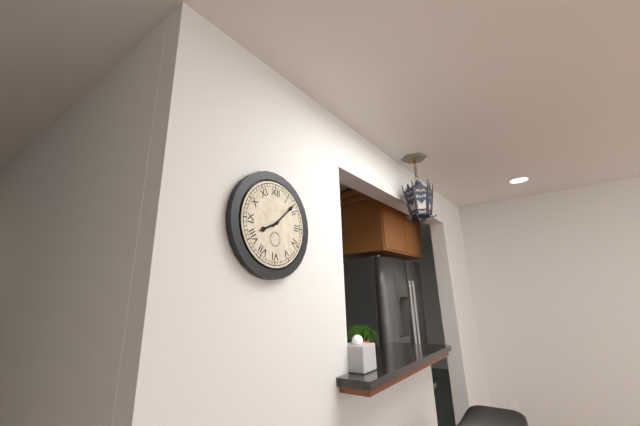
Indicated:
8,08
